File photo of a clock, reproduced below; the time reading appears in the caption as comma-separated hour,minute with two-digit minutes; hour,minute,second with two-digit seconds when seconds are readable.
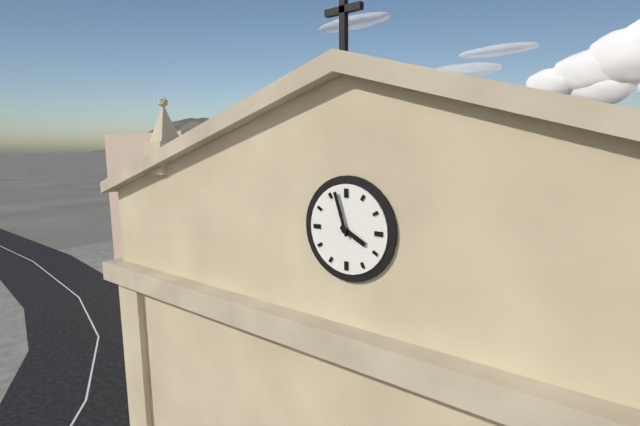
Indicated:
3,57
